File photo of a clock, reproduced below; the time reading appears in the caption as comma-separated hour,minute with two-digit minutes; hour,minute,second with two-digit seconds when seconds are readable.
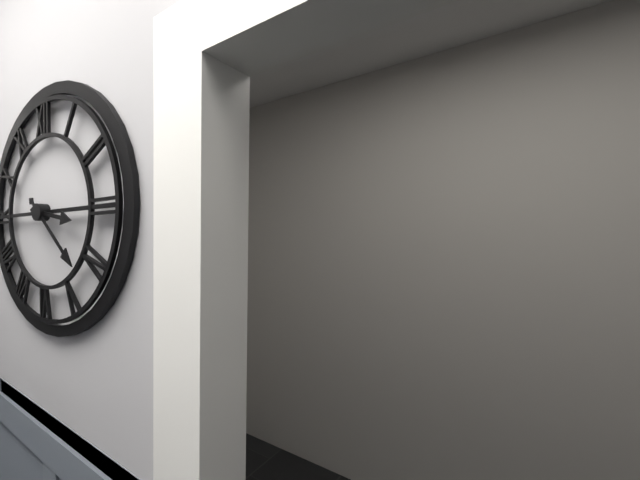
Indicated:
3,22
